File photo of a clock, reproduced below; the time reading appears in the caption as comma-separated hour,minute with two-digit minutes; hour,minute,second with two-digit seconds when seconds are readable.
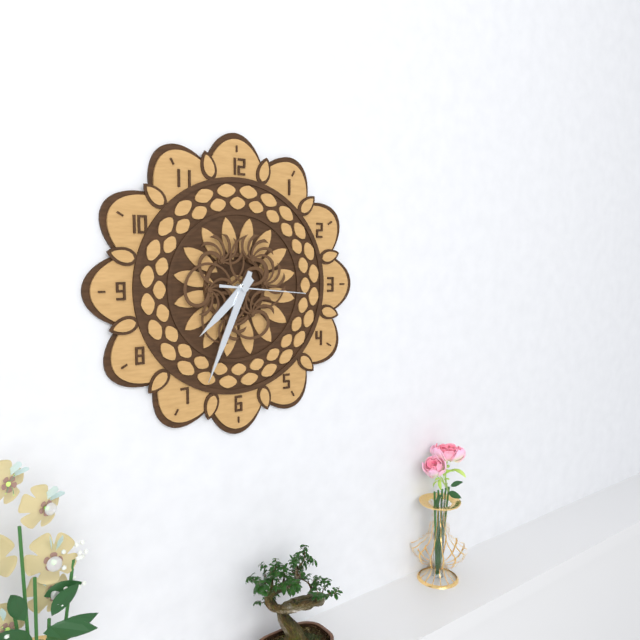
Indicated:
7,34,16
